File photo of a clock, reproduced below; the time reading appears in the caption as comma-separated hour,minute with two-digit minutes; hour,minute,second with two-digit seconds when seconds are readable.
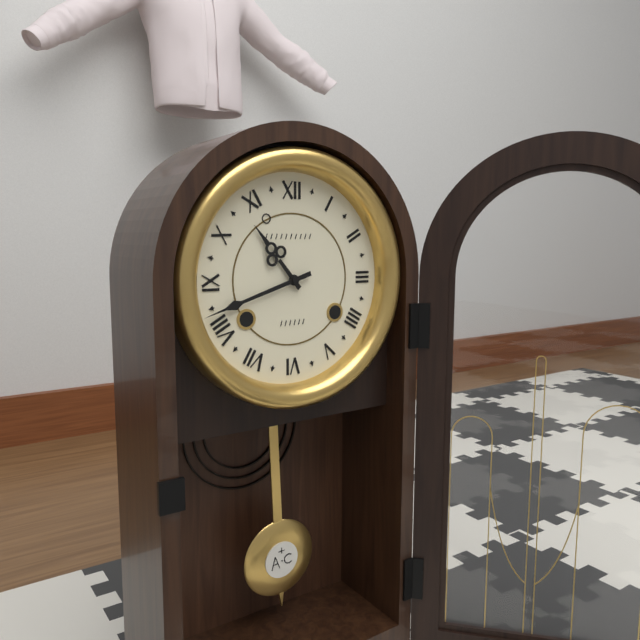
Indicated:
10,42
